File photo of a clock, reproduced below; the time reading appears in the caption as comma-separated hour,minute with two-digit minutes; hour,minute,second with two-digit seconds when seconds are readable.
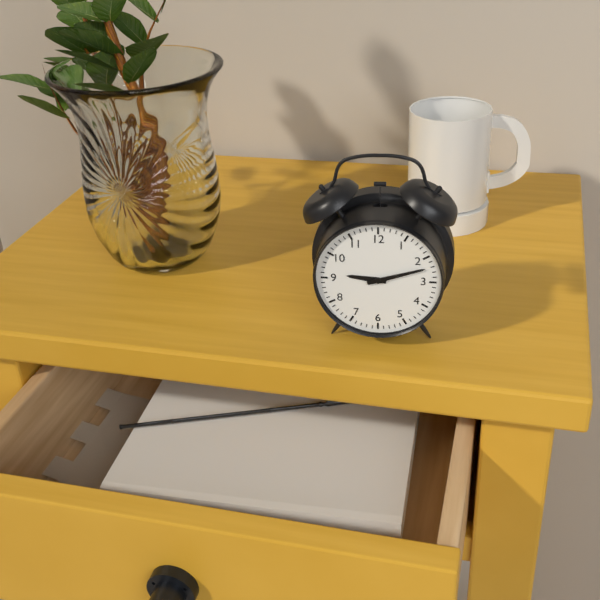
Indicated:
9,12
